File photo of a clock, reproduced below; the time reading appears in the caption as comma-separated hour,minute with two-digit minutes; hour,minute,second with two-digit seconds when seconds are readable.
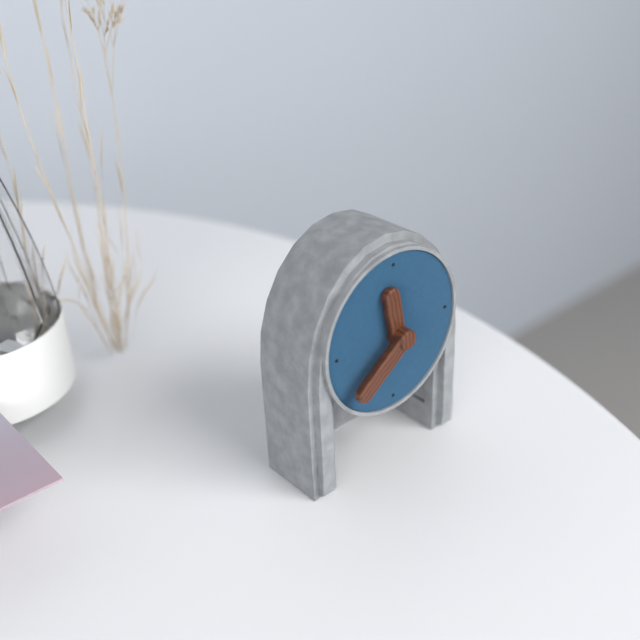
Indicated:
11,39
